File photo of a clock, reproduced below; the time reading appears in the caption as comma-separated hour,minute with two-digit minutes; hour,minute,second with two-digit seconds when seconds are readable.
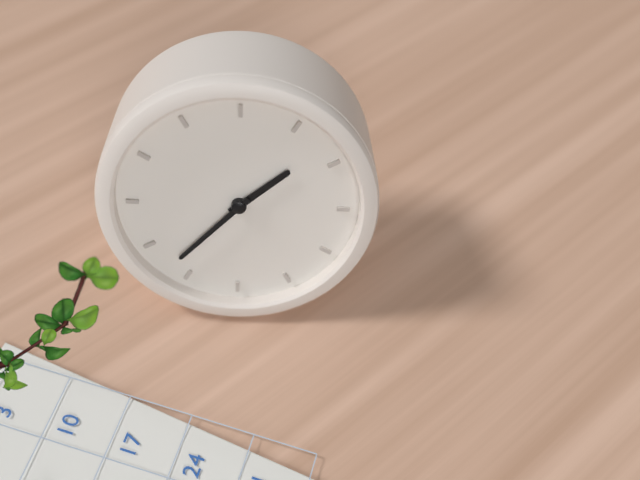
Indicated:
1,37
